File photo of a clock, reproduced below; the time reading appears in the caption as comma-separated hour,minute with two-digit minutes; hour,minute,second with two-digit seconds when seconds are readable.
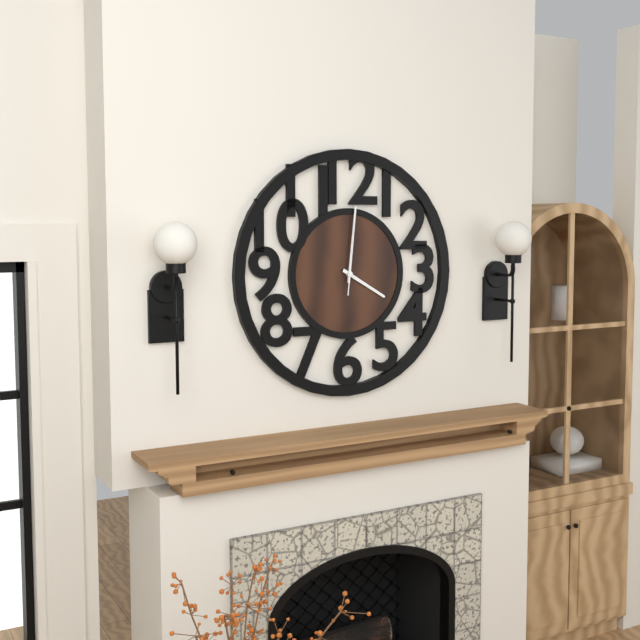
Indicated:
4,01,01
